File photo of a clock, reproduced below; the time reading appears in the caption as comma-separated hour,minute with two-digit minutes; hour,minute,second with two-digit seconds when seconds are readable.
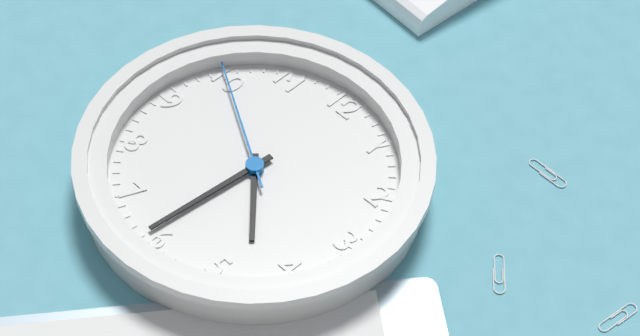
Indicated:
4,31,50
